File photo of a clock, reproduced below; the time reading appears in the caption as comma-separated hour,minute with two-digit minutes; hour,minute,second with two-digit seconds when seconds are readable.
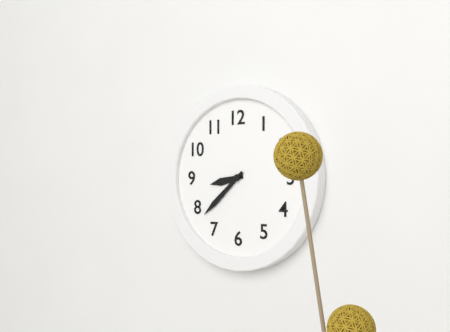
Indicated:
8,38
